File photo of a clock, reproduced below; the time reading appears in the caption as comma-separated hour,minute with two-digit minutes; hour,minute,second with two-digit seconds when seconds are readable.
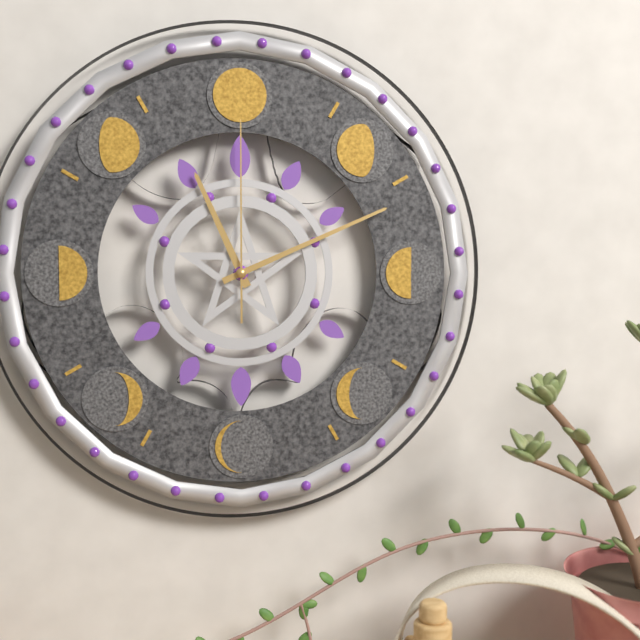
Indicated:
11,11,00
